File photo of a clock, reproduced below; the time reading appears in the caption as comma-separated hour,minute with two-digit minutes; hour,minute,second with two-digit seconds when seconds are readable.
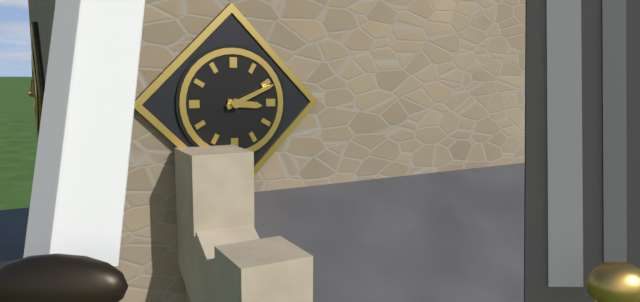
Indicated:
3,11
